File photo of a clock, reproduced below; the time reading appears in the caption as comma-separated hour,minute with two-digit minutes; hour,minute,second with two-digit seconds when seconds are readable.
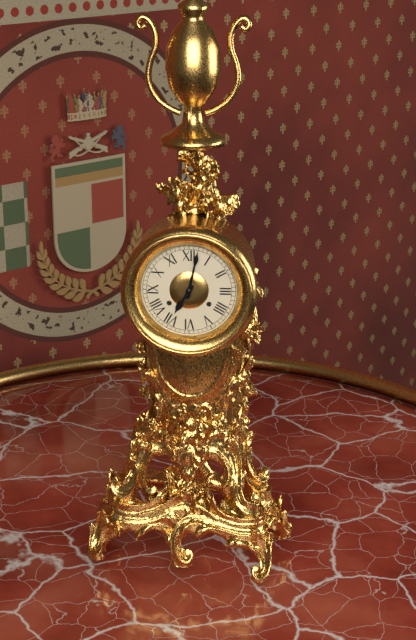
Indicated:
7,02
